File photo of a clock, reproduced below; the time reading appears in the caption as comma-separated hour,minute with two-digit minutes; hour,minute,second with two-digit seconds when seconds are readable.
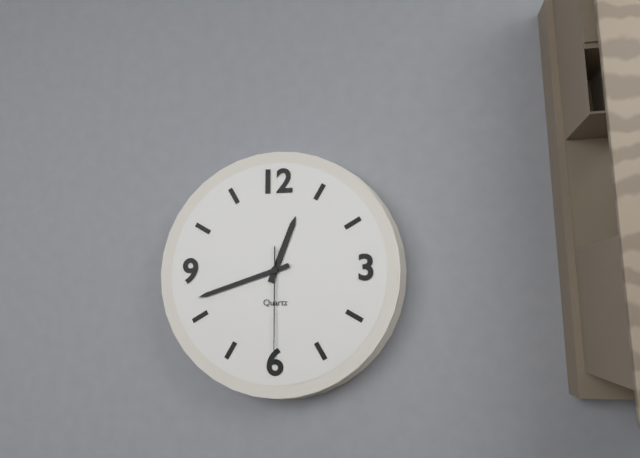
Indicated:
12,42,30
